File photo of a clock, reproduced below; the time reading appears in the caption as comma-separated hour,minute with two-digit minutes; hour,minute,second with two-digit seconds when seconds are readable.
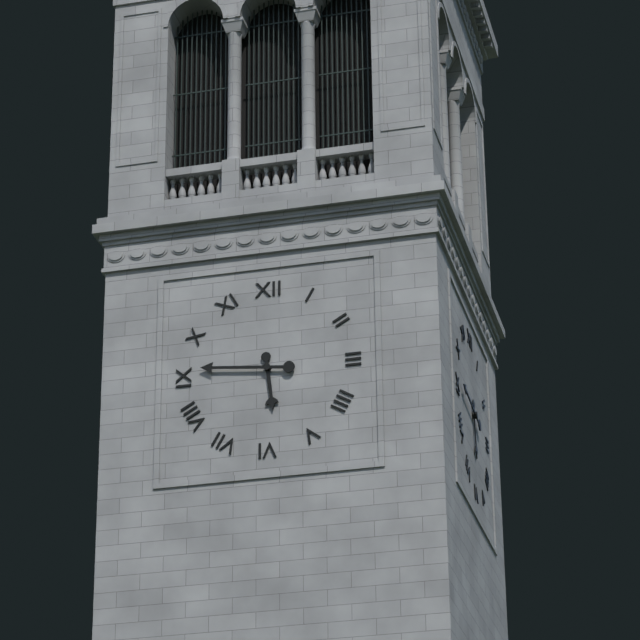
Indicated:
5,46
